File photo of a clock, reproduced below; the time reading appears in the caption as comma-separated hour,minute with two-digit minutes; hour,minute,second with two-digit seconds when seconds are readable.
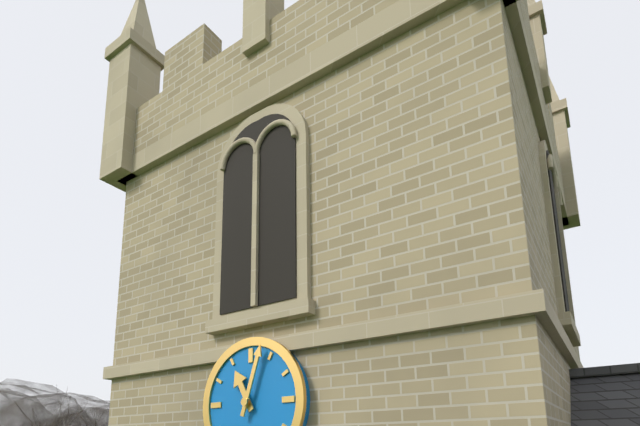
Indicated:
11,03
